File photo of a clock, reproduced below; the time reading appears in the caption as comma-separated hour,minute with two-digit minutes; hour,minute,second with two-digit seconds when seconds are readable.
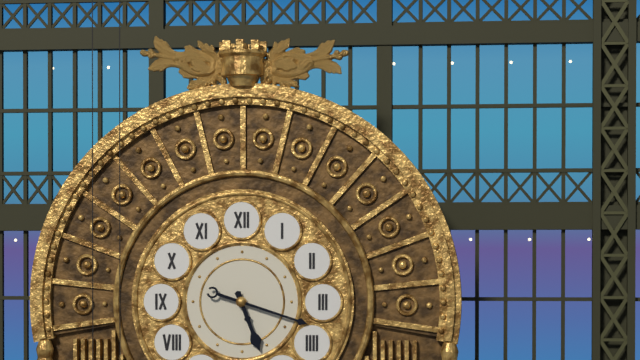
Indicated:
5,18
